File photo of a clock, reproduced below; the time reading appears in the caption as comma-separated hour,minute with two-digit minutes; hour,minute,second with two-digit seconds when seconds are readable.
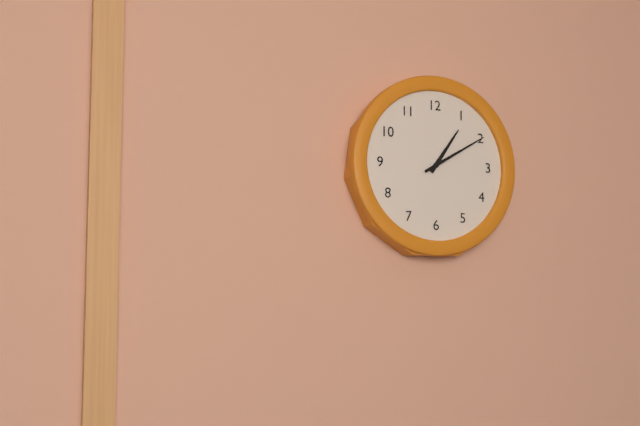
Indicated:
1,10
